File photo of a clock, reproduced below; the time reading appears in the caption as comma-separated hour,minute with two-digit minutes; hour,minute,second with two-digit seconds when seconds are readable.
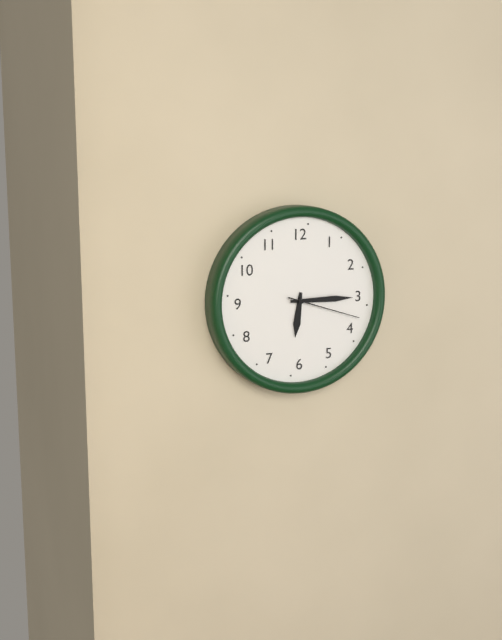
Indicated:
6,15,18
